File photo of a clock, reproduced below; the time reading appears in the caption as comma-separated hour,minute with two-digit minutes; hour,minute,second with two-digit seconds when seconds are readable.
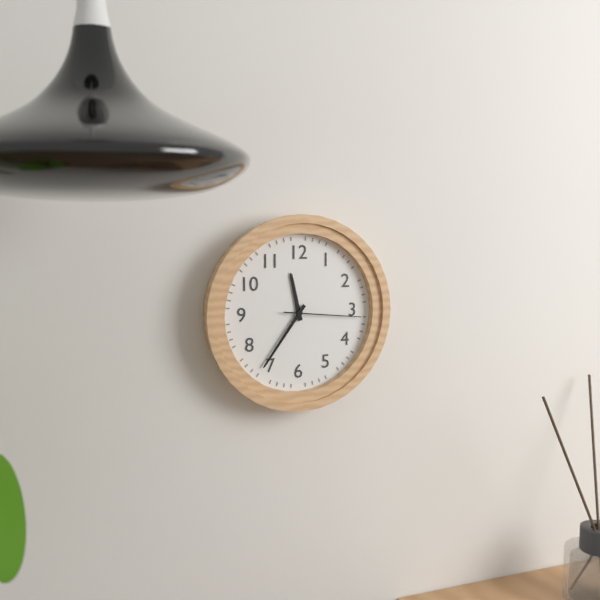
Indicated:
11,36,16
